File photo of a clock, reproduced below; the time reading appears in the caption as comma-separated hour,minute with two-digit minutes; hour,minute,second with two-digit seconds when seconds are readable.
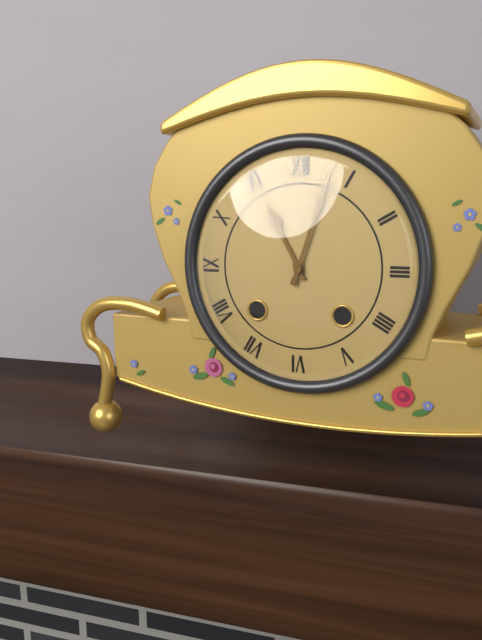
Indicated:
11,03
